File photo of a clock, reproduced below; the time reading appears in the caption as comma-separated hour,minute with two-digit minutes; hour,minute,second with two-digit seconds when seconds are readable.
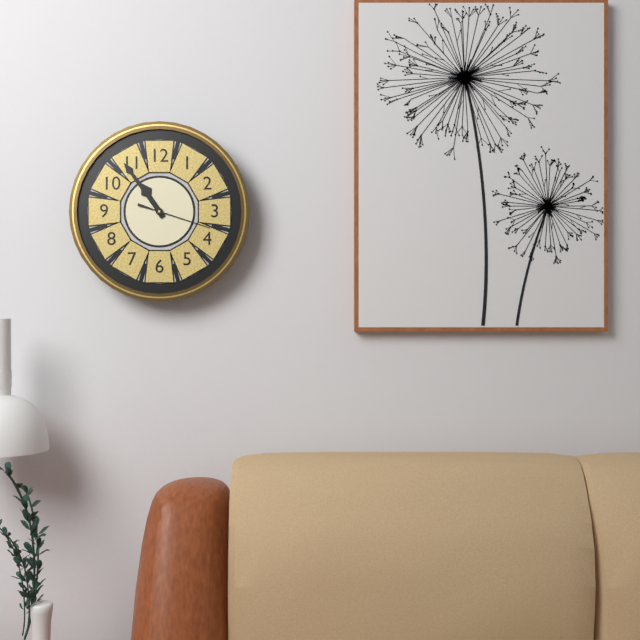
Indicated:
10,54,18
